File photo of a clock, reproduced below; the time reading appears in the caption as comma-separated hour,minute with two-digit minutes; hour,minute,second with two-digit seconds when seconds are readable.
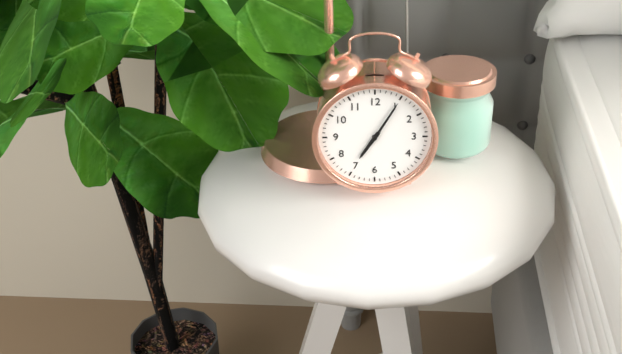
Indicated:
7,05
